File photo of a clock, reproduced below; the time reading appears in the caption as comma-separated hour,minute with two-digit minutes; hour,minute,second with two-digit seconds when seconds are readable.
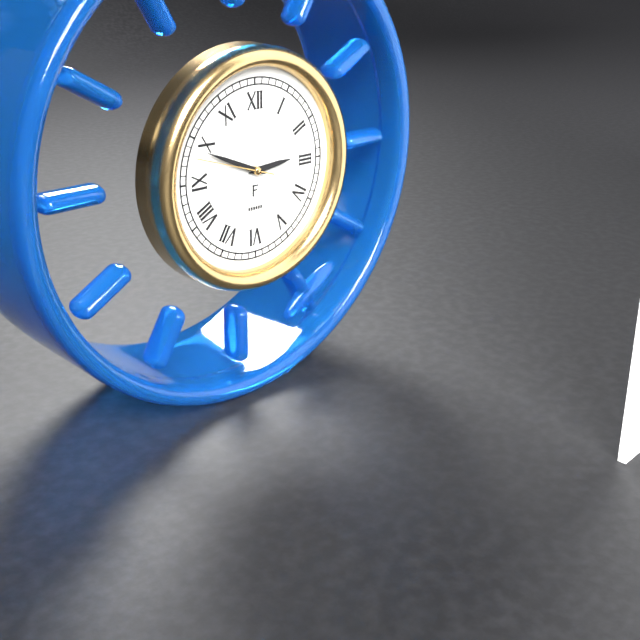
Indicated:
2,49,48
